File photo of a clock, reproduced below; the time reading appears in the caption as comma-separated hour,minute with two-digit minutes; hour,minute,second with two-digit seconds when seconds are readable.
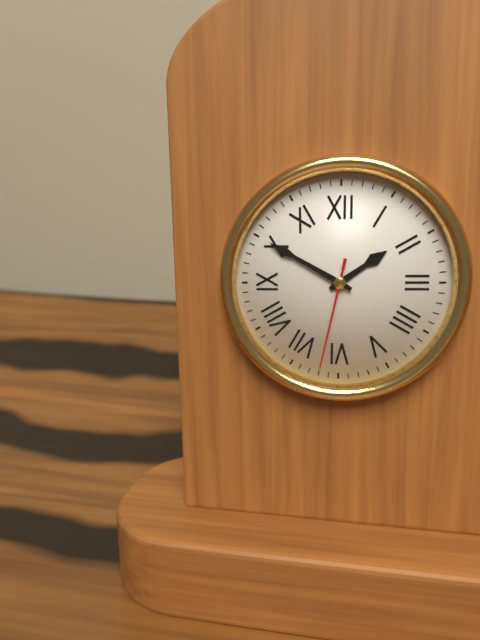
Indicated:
1,50,32
